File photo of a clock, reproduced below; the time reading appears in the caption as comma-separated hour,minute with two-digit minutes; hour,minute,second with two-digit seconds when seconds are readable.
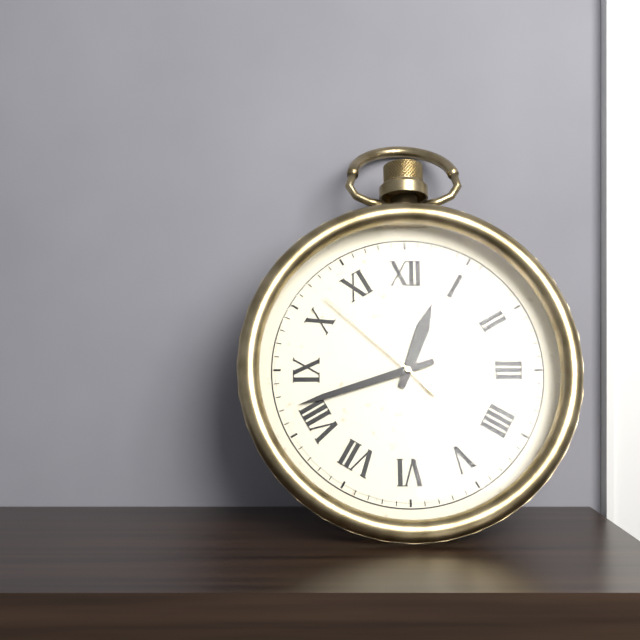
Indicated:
12,42,52
